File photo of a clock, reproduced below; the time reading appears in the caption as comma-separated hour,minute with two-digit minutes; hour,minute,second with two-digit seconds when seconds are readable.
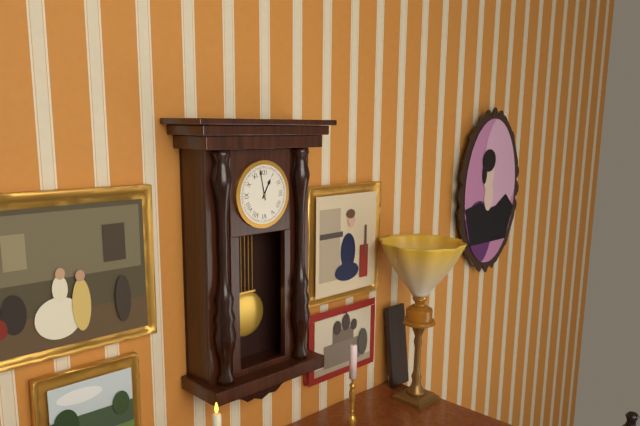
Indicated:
12,58
